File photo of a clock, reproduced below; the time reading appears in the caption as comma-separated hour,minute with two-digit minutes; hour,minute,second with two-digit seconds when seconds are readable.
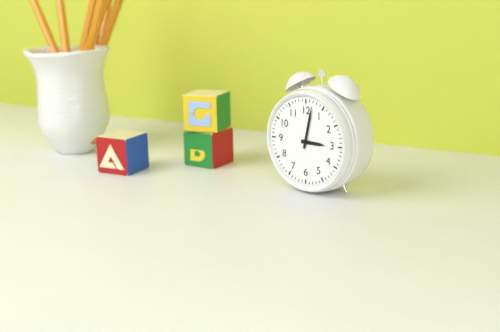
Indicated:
3,02
